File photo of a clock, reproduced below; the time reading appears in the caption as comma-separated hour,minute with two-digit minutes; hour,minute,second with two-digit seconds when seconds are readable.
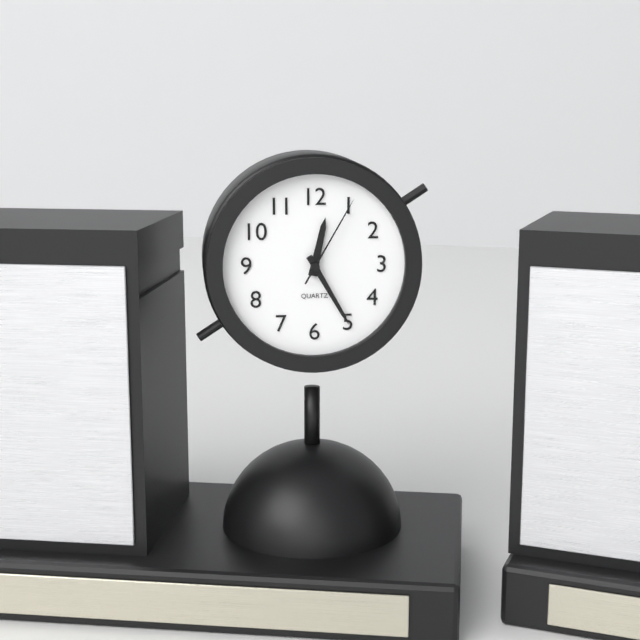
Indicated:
12,25,05
